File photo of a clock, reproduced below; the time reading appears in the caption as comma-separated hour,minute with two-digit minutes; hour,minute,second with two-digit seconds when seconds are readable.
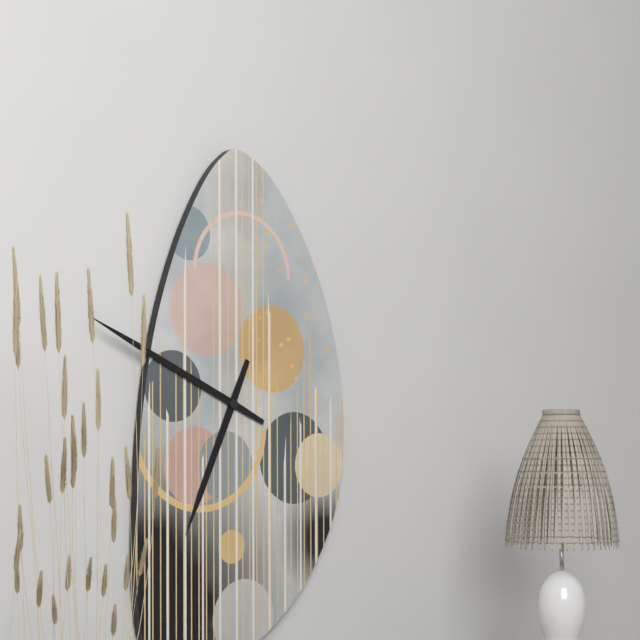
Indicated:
6,49
